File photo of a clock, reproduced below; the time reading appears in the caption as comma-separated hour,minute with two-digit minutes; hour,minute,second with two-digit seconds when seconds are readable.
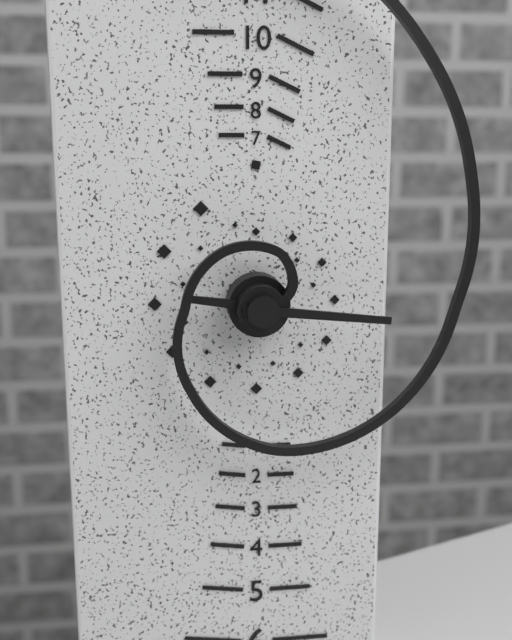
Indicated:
9,16
